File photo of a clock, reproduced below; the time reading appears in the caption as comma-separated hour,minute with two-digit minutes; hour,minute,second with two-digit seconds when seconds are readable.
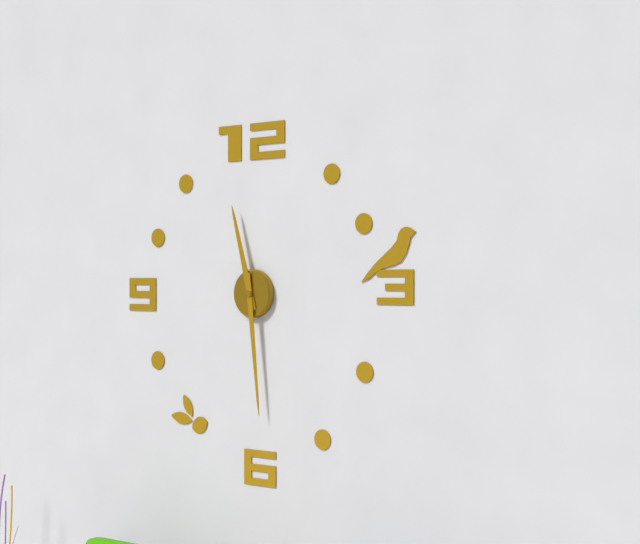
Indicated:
11,29
